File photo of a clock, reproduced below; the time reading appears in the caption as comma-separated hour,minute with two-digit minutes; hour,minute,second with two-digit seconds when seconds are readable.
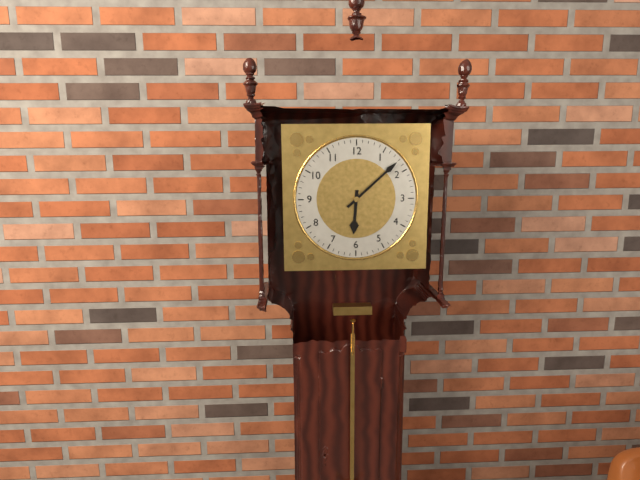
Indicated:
6,08
